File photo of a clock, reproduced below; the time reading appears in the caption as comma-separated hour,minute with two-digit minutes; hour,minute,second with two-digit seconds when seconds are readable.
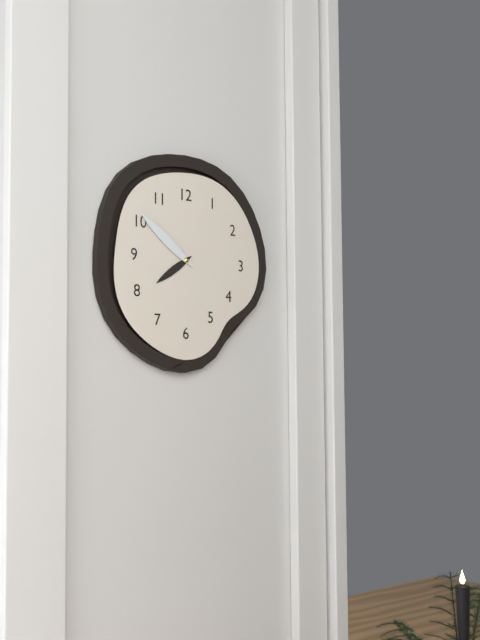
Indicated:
7,51
